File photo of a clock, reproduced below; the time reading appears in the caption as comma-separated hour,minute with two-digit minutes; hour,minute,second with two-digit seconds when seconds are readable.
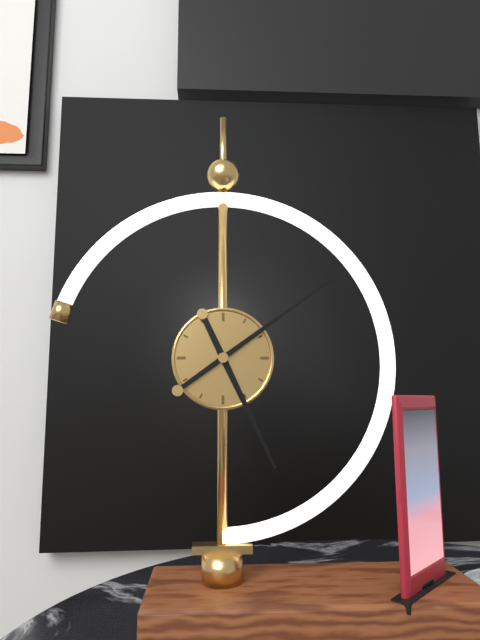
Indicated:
5,09
